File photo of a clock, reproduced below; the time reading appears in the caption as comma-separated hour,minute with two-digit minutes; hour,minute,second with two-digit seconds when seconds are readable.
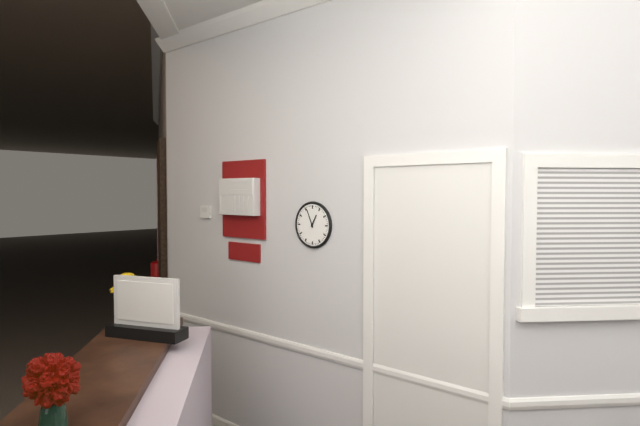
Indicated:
12,56
